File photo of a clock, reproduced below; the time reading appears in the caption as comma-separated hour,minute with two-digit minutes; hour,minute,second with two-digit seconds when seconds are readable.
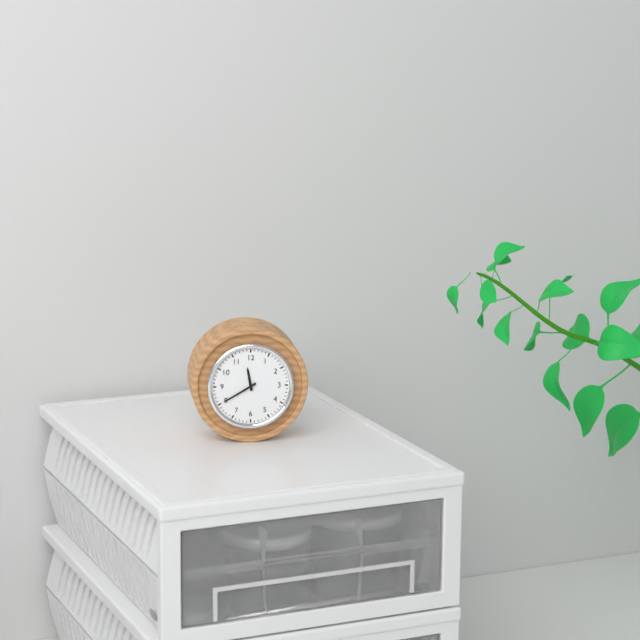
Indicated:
11,40
